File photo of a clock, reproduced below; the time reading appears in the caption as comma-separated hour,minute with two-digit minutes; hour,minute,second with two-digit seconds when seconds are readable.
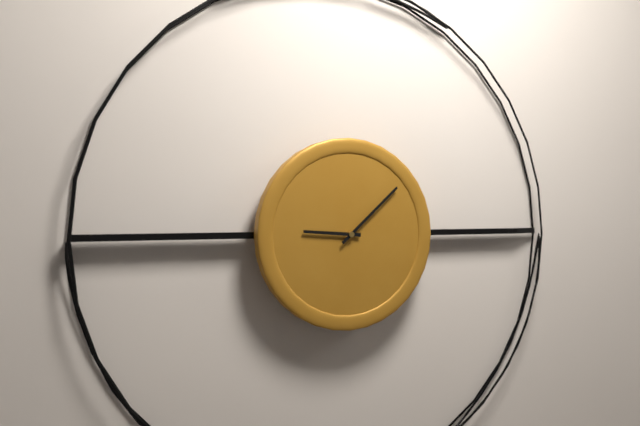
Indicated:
9,08
